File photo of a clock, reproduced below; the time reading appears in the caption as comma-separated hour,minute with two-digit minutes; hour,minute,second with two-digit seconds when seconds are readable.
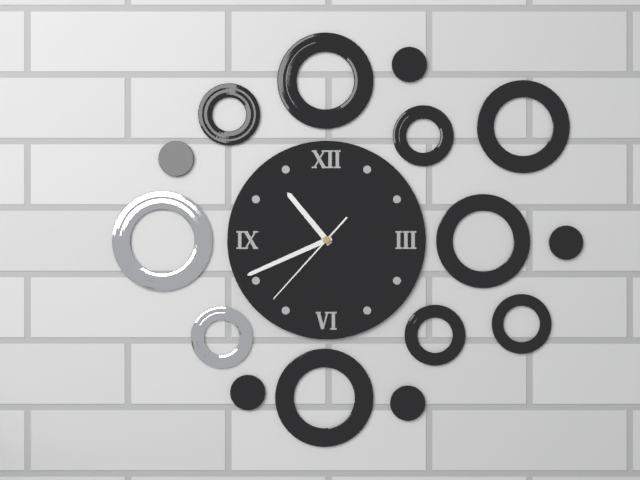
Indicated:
10,41,37
